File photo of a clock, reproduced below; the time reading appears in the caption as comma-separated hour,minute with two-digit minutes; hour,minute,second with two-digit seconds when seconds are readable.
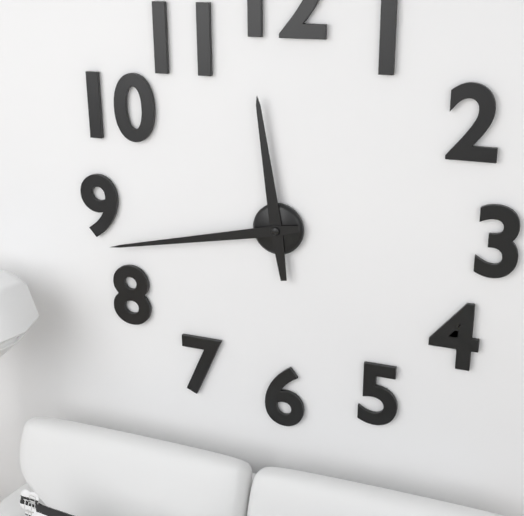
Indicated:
11,43
